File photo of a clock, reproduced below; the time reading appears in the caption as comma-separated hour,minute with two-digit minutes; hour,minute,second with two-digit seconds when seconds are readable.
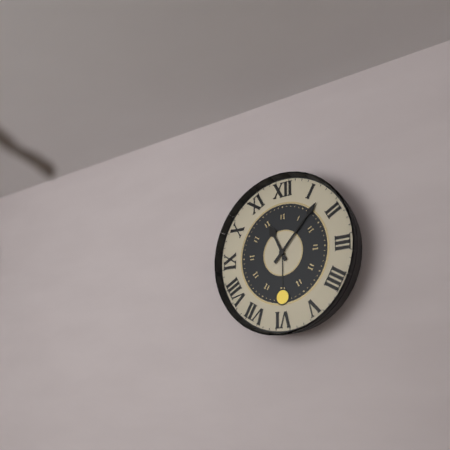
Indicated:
11,07
